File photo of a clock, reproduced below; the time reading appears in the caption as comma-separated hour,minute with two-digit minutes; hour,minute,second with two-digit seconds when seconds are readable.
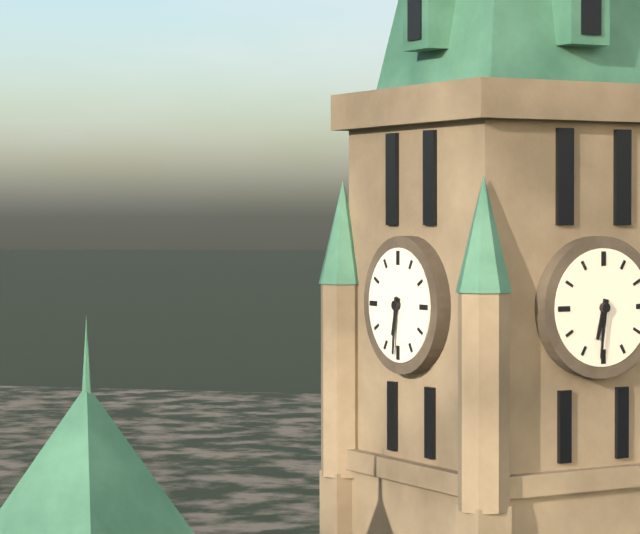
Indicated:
6,31
